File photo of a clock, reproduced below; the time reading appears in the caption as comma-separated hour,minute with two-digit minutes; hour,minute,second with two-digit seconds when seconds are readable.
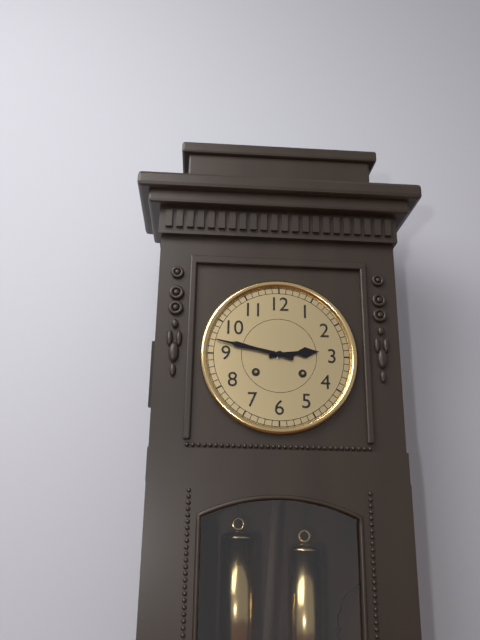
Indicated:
2,47
